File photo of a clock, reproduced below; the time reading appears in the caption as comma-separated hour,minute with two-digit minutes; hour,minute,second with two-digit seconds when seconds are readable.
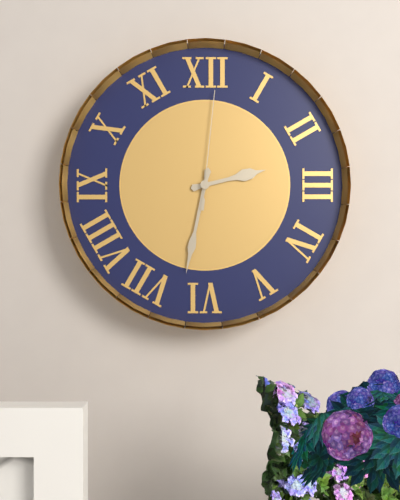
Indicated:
2,32,01
